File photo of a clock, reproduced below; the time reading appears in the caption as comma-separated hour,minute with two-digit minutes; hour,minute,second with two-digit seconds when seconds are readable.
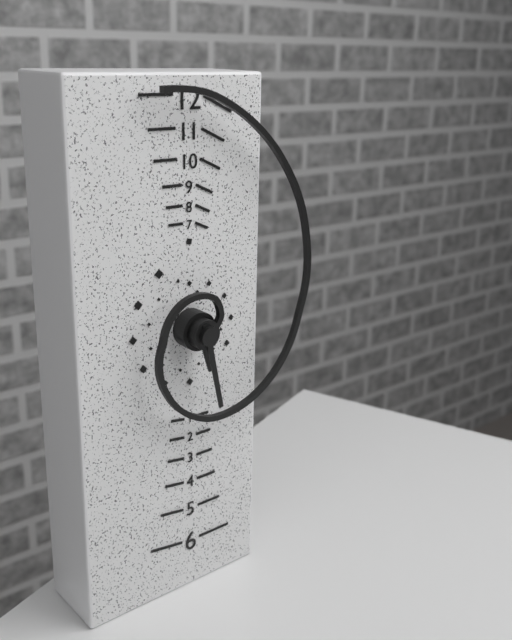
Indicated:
5,28
